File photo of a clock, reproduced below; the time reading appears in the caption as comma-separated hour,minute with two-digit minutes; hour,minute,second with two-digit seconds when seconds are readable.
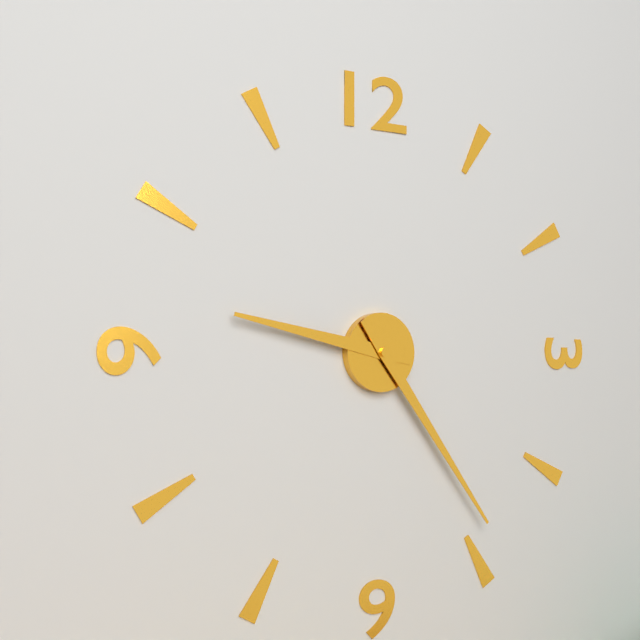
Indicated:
9,24
